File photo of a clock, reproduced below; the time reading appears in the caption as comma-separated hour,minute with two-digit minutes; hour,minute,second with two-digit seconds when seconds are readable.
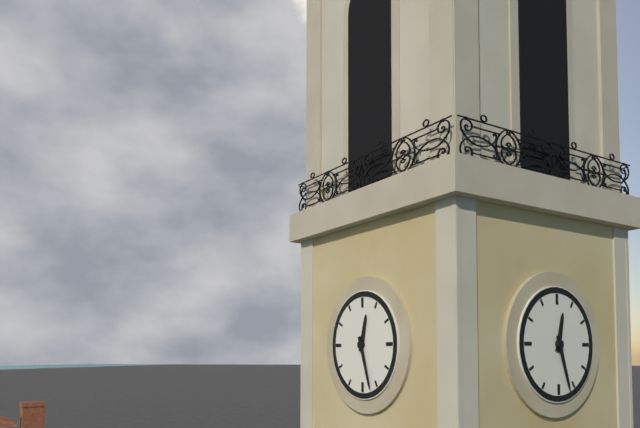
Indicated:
12,27
